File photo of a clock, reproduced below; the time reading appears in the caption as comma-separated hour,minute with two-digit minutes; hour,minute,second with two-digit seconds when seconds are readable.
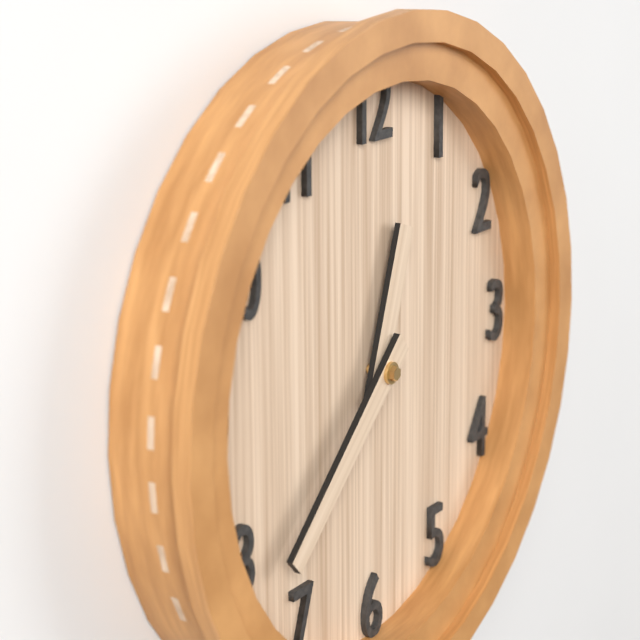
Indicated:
12,38
